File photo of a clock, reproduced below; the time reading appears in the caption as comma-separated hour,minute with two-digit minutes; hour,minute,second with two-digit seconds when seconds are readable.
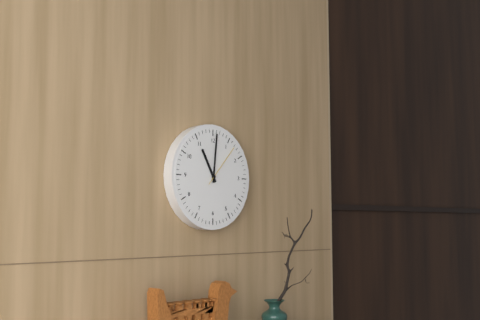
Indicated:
11,01
